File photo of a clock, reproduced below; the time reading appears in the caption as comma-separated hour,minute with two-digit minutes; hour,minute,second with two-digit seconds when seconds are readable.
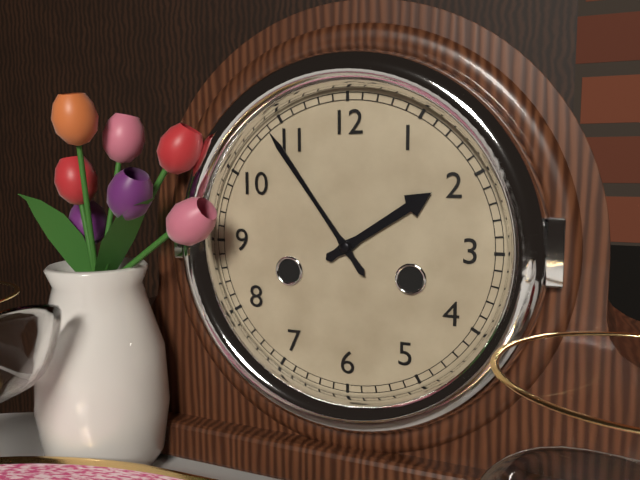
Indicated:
1,54
